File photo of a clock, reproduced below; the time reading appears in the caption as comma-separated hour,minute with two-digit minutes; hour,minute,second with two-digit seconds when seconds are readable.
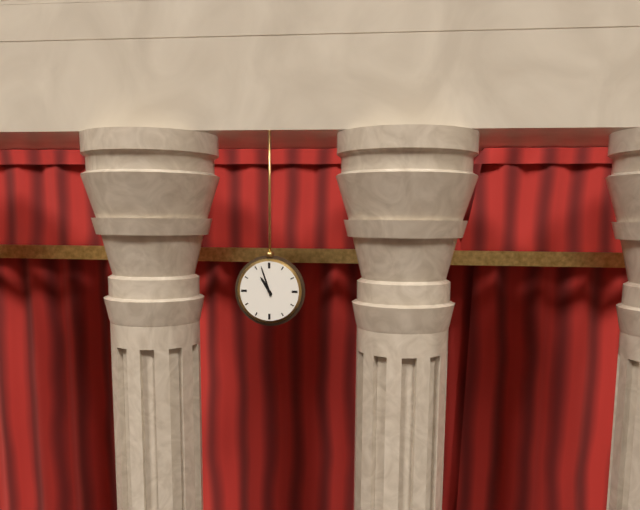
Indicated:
10,57
